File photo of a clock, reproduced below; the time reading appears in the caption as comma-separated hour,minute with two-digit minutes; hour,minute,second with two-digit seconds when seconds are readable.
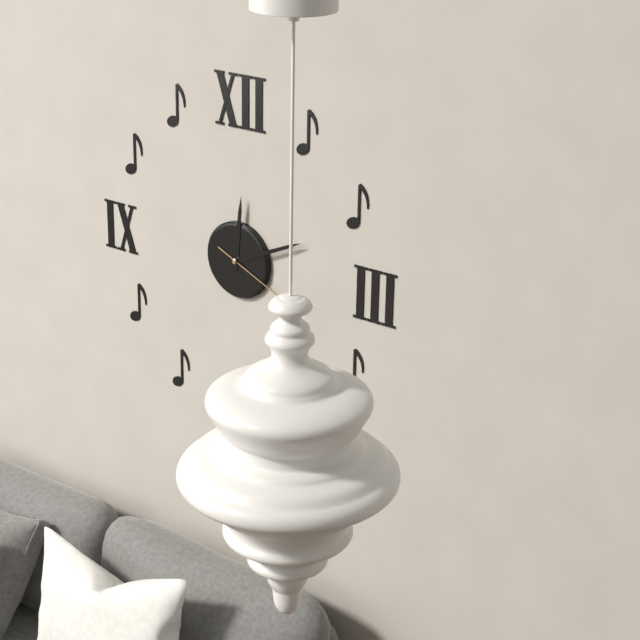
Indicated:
12,11,19
